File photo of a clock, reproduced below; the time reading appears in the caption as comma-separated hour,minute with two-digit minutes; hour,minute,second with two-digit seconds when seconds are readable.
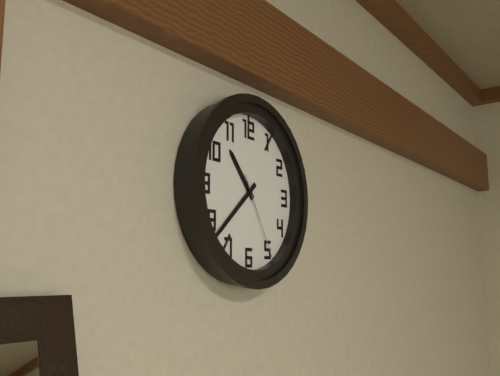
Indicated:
10,38,25
